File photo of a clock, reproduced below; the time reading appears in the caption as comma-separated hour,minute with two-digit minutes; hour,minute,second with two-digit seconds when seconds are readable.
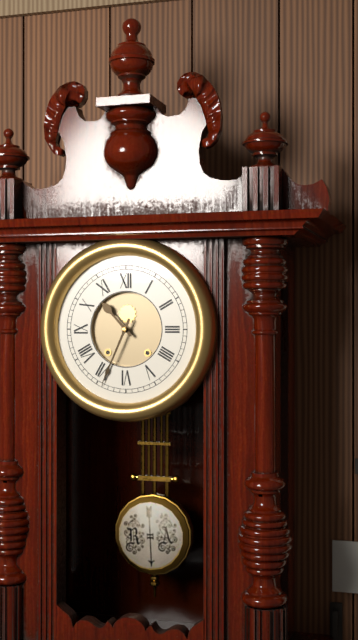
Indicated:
10,34
